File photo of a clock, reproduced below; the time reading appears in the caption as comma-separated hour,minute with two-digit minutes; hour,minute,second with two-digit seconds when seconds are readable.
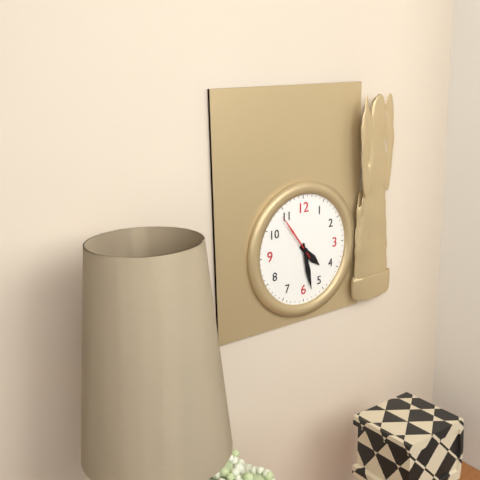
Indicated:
4,28,54
